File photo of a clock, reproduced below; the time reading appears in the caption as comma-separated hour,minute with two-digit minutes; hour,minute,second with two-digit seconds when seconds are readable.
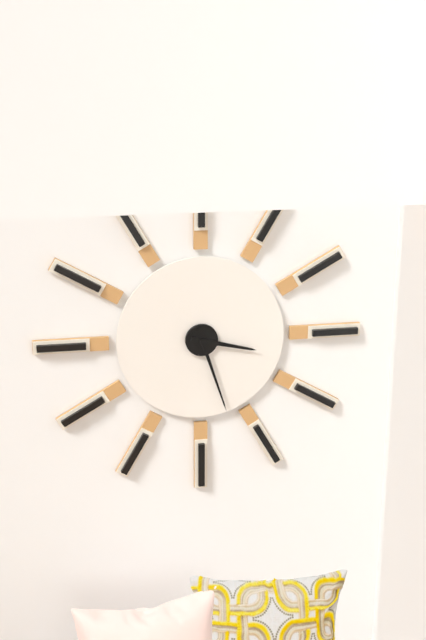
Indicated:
3,27
